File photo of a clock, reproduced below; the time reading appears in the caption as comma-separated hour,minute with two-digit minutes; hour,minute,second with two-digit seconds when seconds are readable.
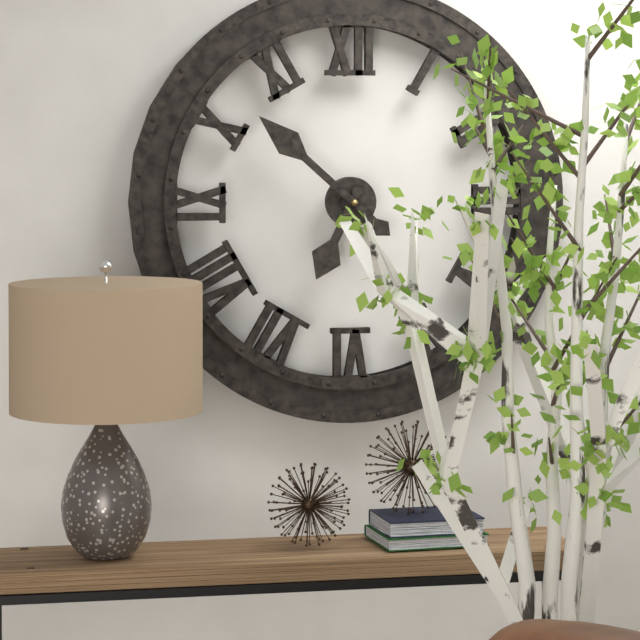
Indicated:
6,52
